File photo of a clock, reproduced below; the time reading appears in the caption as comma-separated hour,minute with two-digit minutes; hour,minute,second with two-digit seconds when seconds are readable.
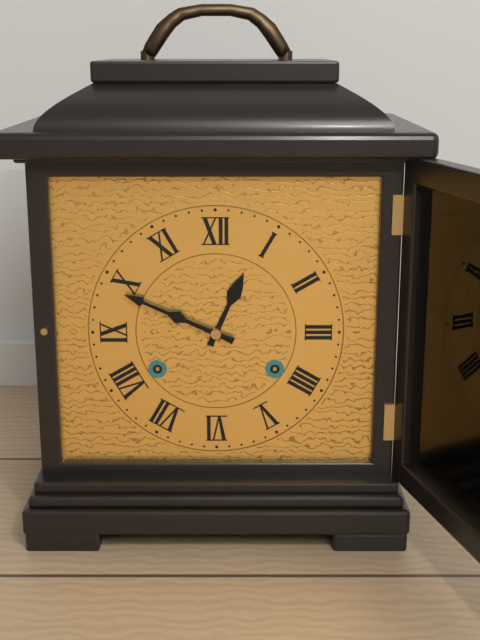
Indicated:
12,49
